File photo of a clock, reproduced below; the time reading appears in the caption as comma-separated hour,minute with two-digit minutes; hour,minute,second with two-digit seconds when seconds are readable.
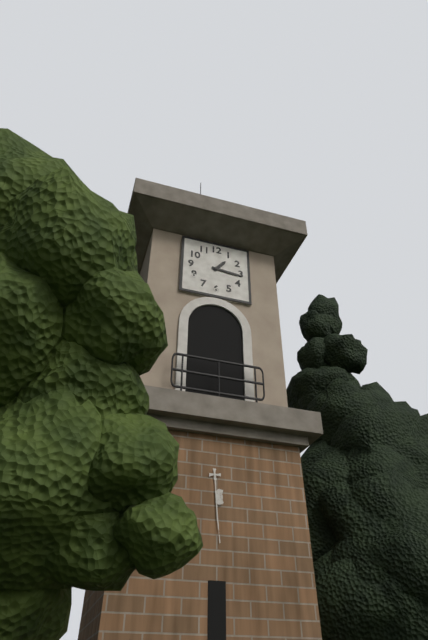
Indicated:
1,16
